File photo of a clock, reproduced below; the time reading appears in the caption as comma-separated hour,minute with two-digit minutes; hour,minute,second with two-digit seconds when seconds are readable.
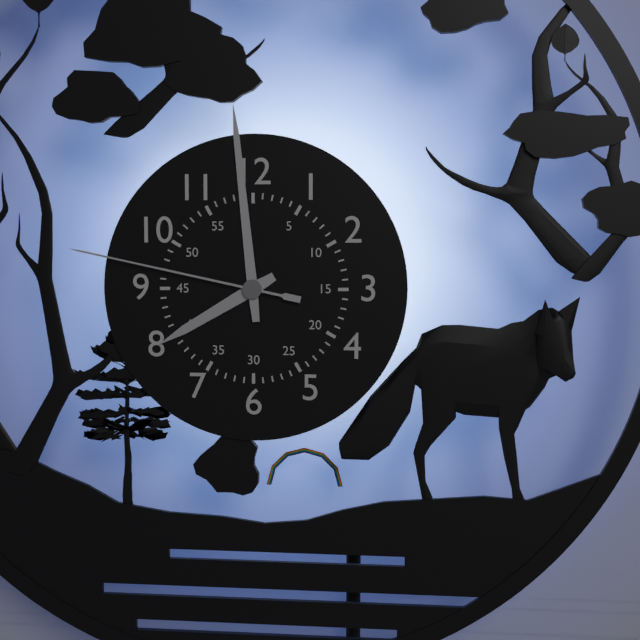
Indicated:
7,59,47
